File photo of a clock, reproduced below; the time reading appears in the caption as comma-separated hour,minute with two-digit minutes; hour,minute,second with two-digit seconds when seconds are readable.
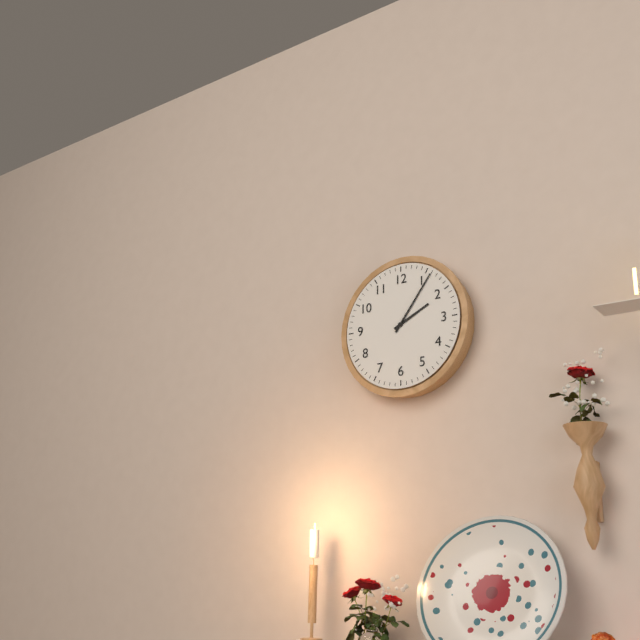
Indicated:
2,06
